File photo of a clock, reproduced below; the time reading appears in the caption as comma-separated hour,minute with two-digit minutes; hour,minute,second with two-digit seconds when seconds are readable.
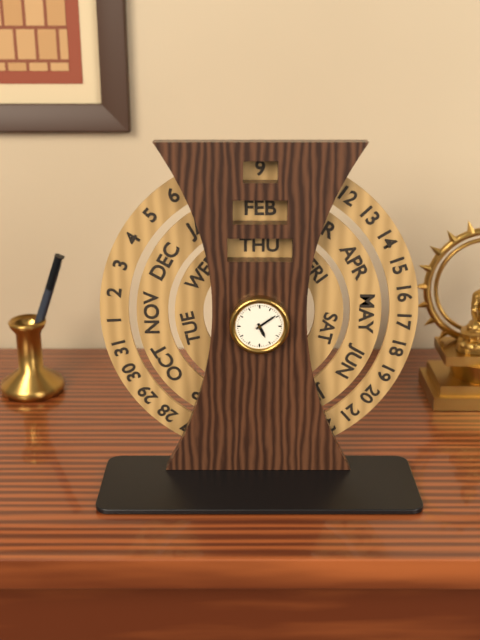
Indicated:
5,09
